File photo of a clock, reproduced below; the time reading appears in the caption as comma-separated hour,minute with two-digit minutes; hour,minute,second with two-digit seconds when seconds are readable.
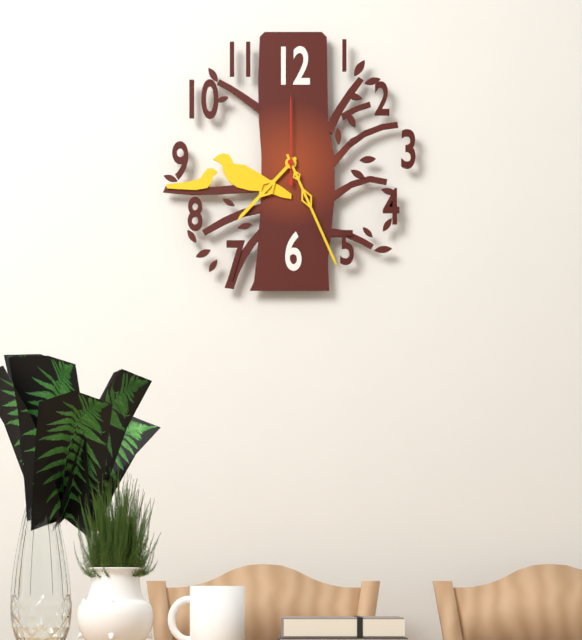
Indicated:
7,26,00
